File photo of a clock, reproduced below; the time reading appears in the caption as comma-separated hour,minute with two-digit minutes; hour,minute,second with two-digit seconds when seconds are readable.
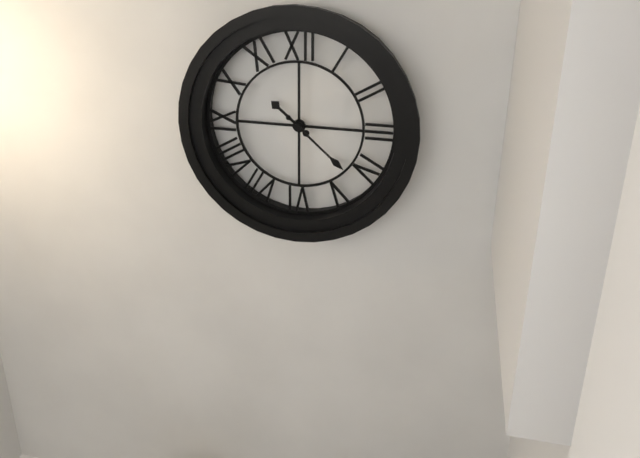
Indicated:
10,22
